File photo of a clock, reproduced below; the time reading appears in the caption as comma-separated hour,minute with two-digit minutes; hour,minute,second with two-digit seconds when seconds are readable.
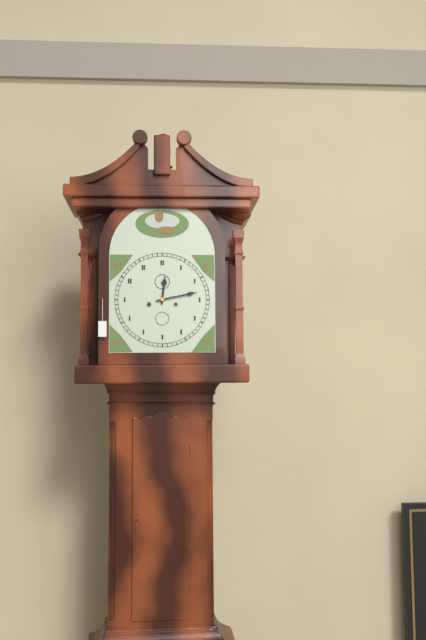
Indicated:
12,13
